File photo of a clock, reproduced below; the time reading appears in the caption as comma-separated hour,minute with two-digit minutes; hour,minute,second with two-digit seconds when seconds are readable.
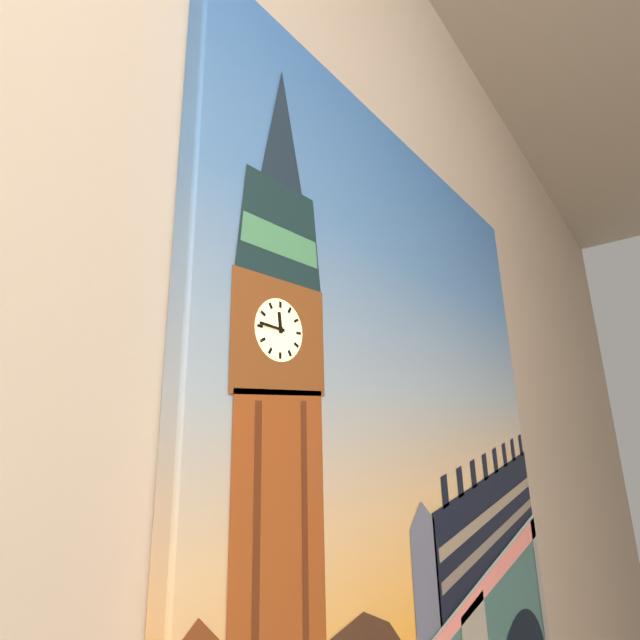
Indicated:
11,46
